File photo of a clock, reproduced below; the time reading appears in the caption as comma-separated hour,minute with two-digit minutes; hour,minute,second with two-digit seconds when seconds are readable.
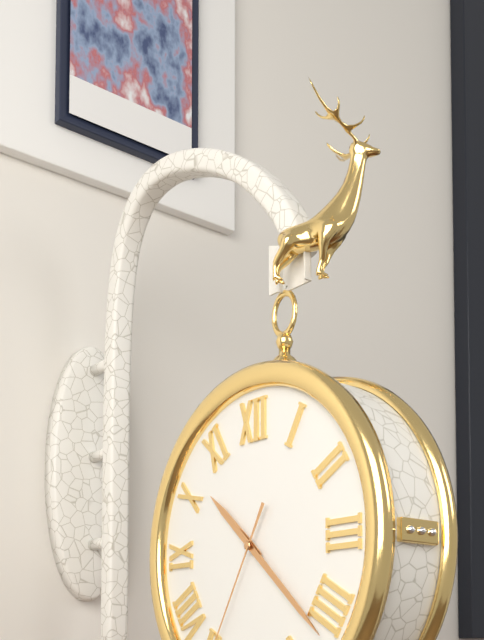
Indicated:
10,22,35
